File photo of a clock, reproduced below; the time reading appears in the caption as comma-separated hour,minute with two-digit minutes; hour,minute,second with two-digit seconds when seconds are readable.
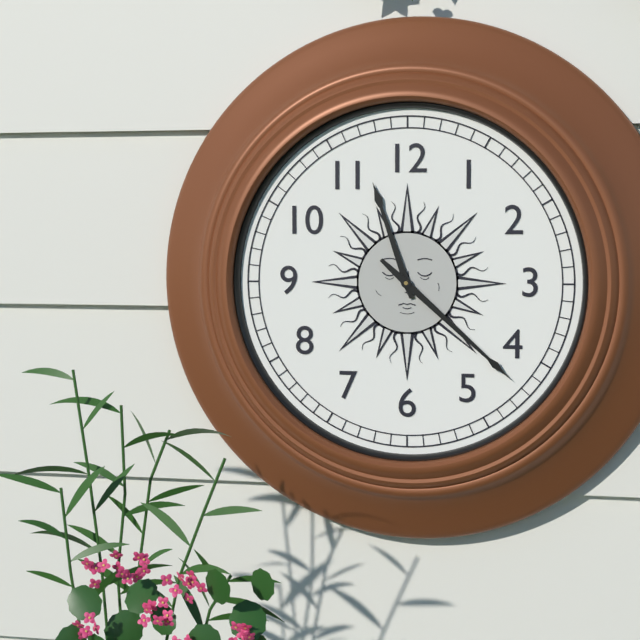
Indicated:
11,22
